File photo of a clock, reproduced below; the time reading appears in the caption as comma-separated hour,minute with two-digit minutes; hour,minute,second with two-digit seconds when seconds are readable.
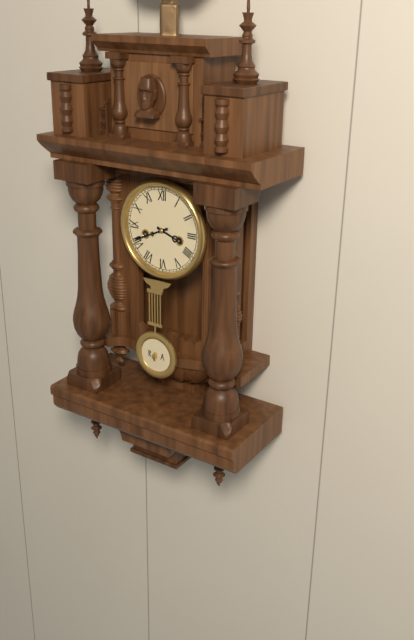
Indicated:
3,41
